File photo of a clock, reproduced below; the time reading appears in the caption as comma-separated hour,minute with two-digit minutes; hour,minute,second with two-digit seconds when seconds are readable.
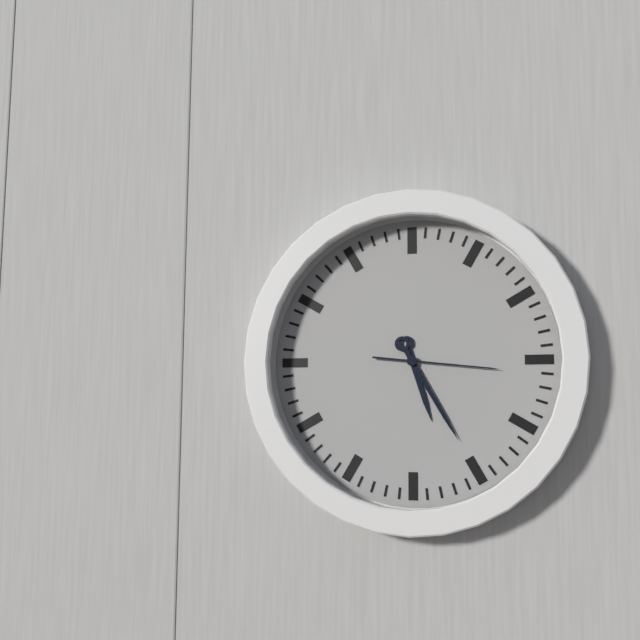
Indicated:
5,25,16
